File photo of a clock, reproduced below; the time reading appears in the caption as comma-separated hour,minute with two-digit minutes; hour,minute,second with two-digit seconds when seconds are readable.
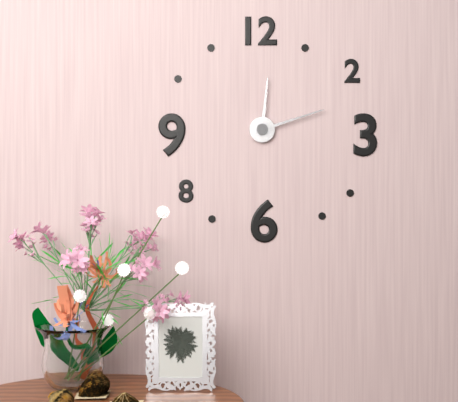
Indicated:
12,12
